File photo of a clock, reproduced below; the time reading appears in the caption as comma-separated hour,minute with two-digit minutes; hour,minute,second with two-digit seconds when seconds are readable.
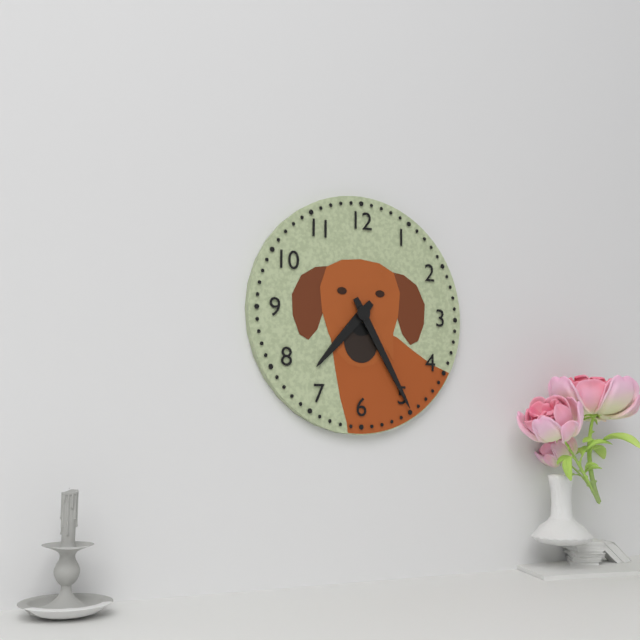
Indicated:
7,25
